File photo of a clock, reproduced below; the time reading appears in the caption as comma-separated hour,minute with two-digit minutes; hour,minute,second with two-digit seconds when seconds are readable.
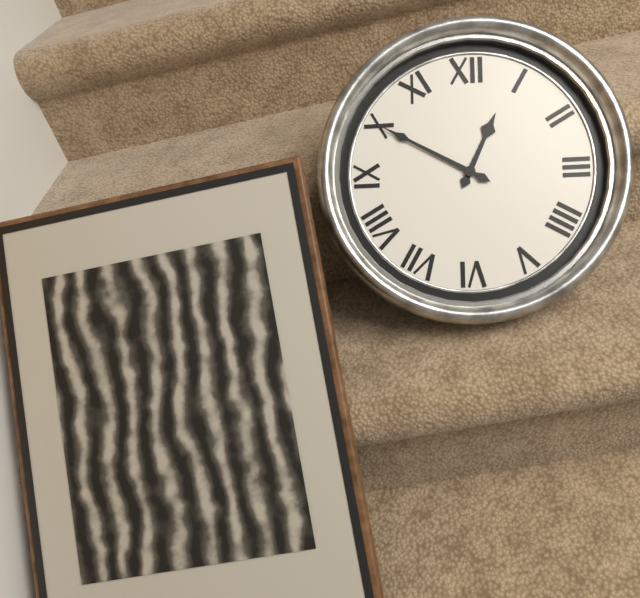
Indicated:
12,50
